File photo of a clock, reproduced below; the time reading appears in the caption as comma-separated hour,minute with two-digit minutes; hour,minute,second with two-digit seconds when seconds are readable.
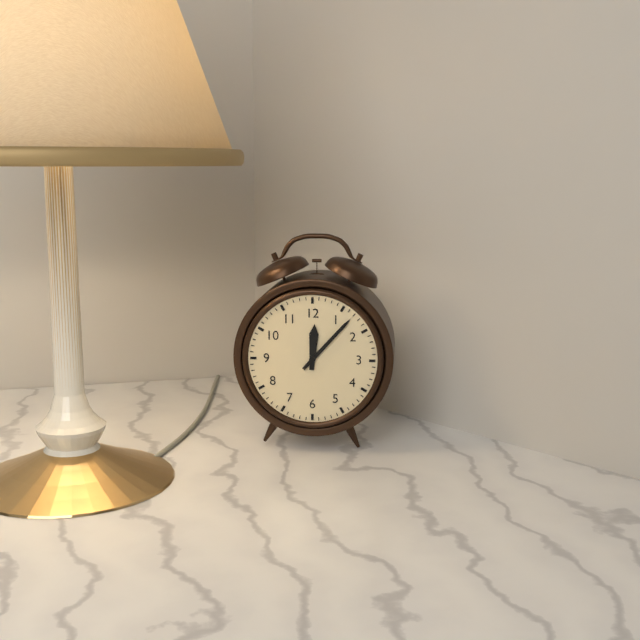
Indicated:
12,07
